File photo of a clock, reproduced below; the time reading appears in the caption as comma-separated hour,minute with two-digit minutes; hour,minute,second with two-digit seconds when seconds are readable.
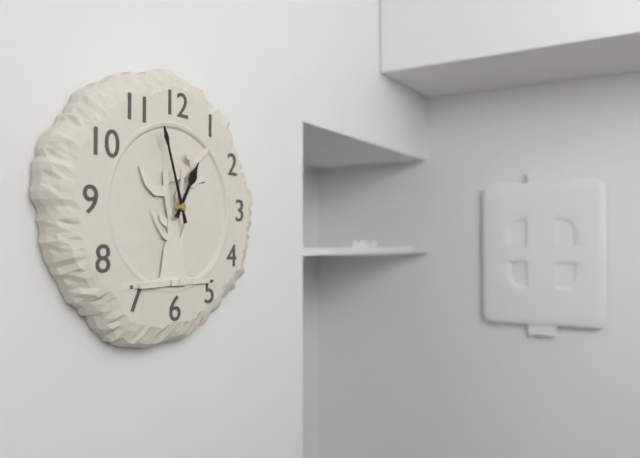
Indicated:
12,57
